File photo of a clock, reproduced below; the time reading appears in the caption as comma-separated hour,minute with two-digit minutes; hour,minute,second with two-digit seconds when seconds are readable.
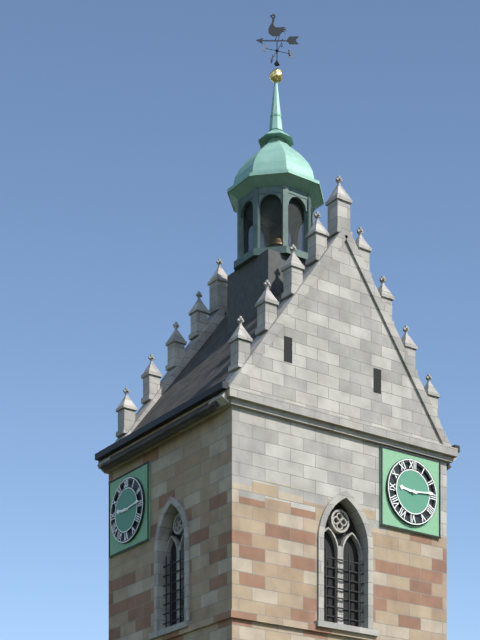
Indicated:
9,14
